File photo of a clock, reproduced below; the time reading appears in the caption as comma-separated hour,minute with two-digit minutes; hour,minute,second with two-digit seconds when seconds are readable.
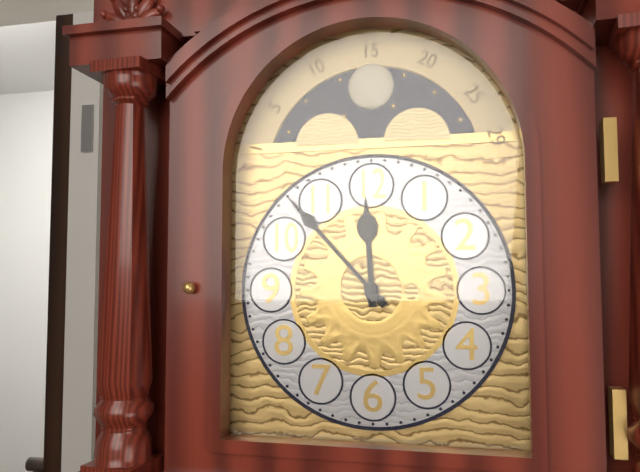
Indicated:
11,53
